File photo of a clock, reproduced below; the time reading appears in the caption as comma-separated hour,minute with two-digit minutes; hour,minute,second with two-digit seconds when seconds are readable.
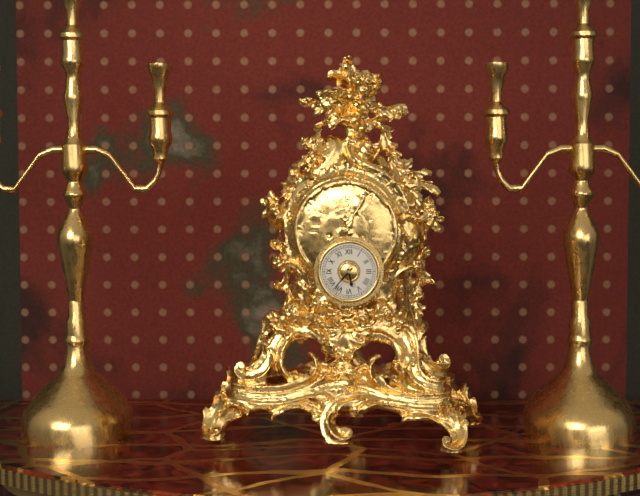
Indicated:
5,37
